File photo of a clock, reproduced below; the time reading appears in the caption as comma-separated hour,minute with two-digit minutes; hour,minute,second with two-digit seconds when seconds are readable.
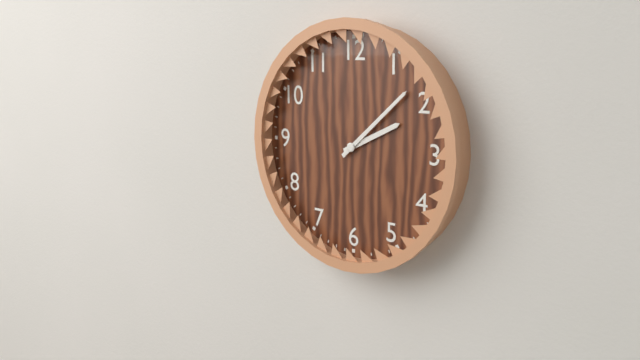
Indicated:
2,08
